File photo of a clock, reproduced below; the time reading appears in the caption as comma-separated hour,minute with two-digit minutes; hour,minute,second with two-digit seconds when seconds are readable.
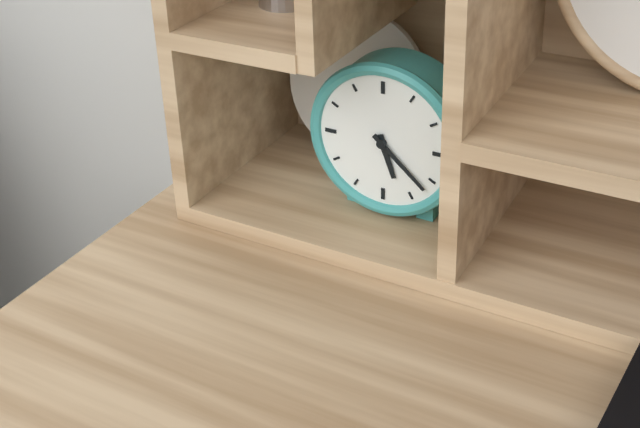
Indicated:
5,22
